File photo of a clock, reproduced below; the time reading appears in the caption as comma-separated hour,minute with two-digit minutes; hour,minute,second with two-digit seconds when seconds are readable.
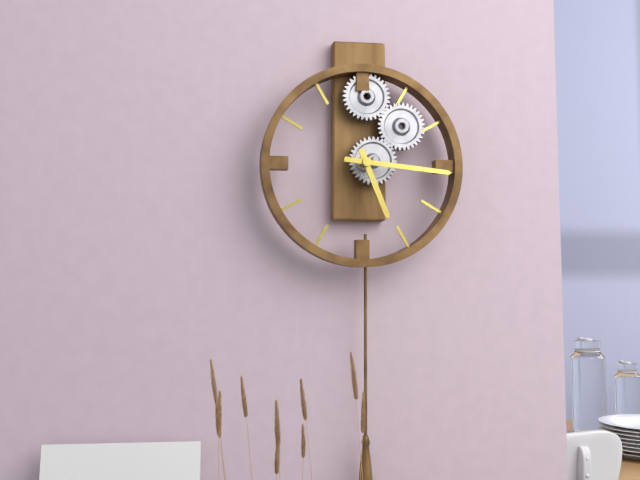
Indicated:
5,16
